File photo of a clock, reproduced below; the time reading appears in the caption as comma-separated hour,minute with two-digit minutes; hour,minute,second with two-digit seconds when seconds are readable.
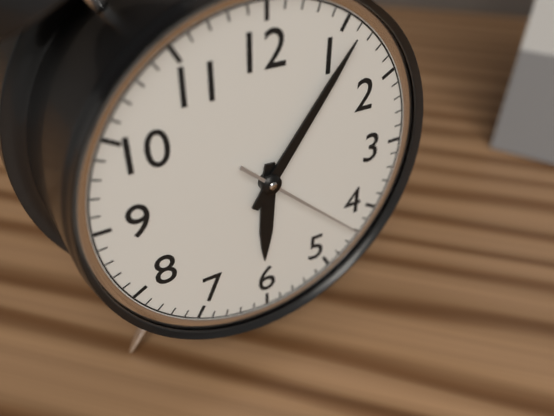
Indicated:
6,06,22
